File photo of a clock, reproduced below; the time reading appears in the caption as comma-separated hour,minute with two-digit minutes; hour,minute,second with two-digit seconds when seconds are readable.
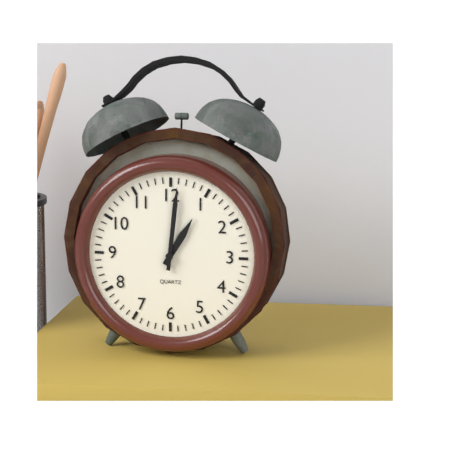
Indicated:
1,01
